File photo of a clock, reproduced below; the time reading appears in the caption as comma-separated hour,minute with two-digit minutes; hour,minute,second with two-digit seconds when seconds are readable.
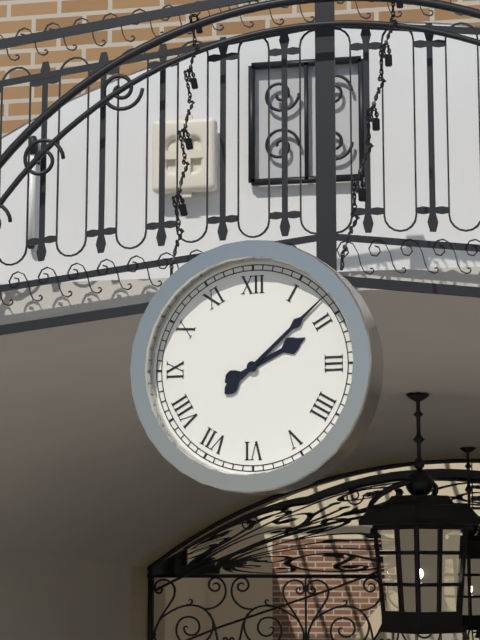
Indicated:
2,08
